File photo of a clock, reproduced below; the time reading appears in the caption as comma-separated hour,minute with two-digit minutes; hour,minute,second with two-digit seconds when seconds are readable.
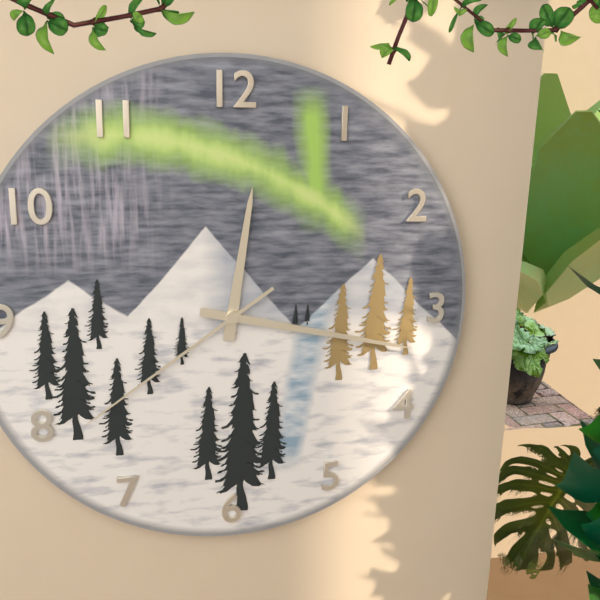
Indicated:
12,17,39
